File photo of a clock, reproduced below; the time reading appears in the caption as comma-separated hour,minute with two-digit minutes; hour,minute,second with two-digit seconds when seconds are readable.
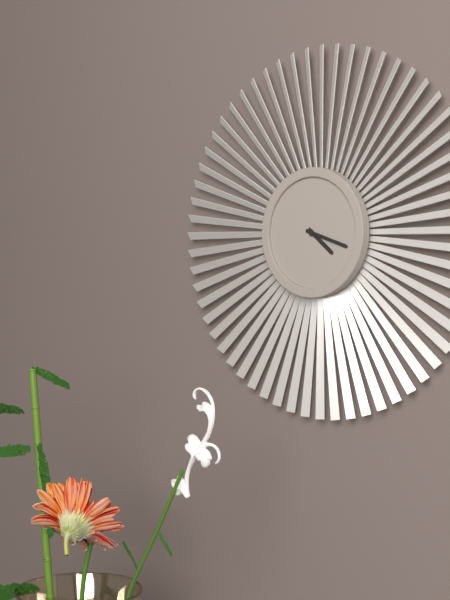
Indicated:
4,18
